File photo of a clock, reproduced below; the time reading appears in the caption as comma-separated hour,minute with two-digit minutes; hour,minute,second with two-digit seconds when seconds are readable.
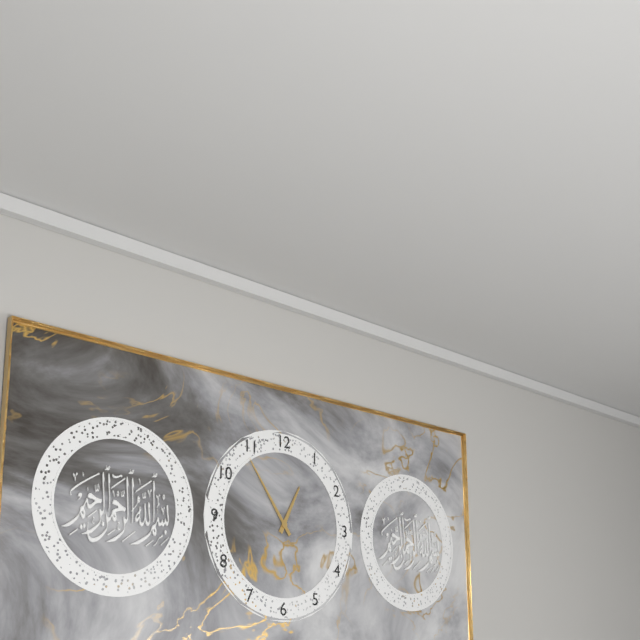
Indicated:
12,54
